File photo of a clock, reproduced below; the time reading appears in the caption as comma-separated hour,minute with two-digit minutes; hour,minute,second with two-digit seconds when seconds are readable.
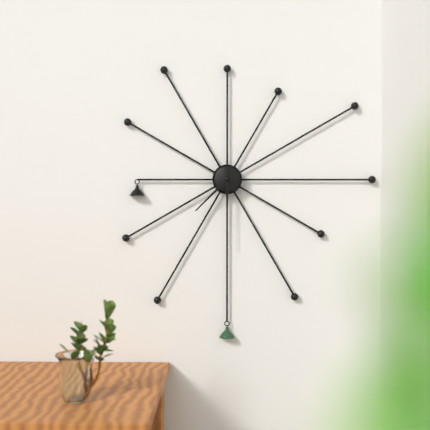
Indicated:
7,30
